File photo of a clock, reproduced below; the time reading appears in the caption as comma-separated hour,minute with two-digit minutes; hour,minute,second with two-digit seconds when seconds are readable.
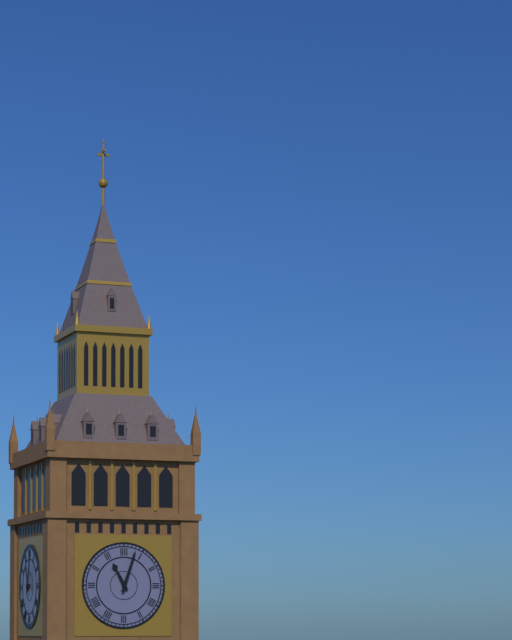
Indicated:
11,03
